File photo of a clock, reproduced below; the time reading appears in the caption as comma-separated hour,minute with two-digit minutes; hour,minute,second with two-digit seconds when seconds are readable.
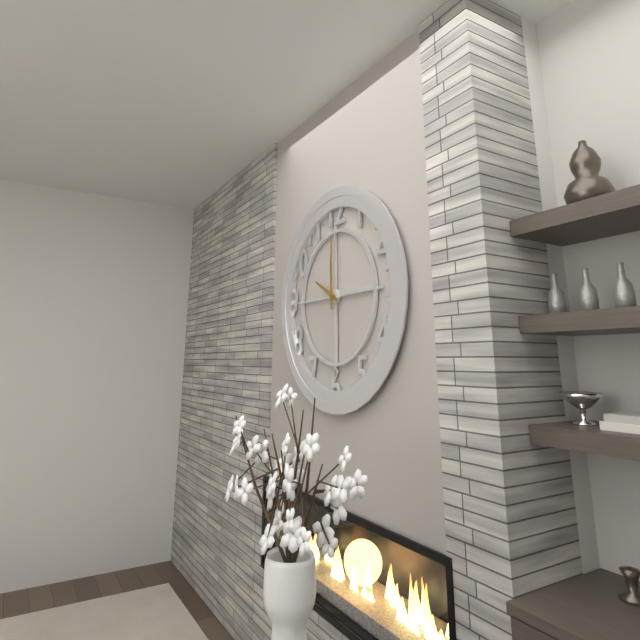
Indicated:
10,00
